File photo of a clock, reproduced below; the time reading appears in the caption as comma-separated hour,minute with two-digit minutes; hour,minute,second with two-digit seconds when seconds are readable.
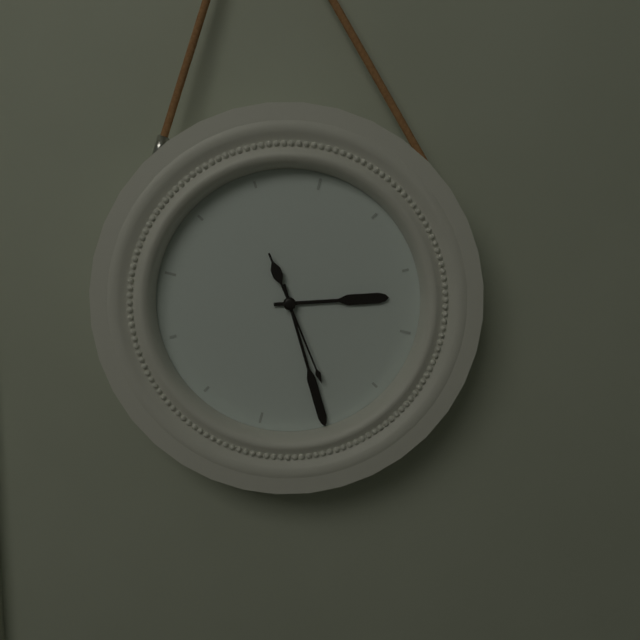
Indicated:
2,25,24
